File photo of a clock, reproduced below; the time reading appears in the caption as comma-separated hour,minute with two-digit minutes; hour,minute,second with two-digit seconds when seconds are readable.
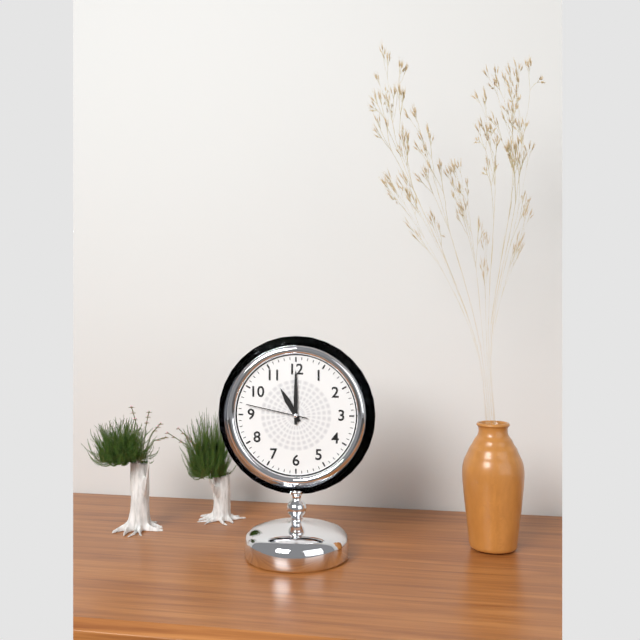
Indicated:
11,00,47
